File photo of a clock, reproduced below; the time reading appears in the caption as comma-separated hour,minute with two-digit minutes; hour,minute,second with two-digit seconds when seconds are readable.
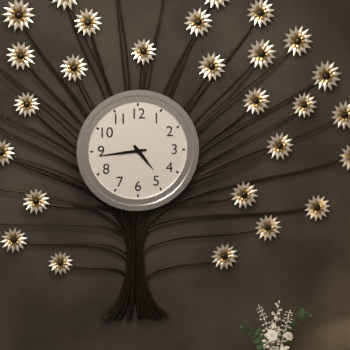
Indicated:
4,44
